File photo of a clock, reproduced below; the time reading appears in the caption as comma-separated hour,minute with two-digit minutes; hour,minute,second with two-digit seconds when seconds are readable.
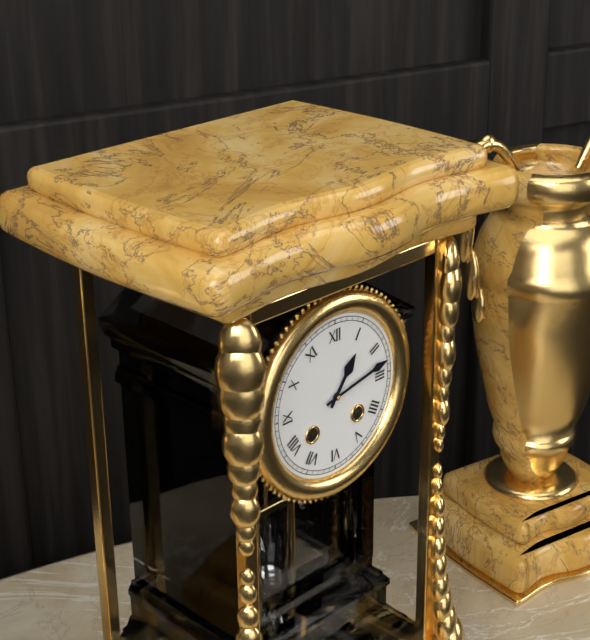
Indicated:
1,13
